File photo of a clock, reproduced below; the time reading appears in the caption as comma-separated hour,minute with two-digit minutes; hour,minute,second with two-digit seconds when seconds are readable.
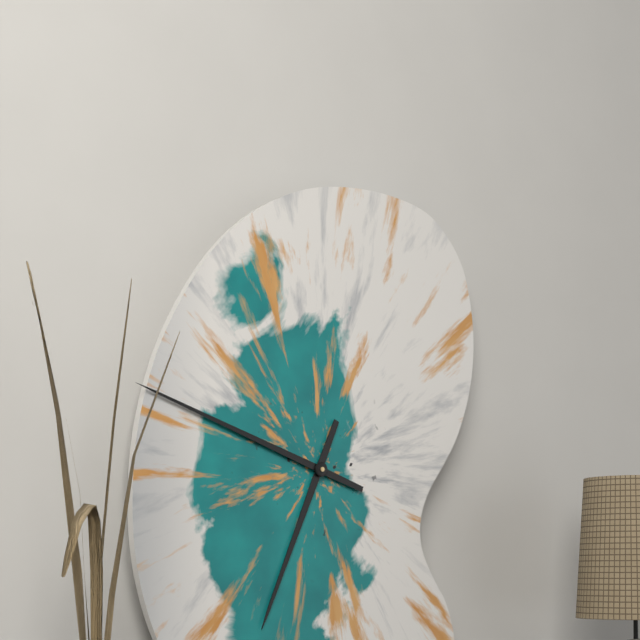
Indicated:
6,48
